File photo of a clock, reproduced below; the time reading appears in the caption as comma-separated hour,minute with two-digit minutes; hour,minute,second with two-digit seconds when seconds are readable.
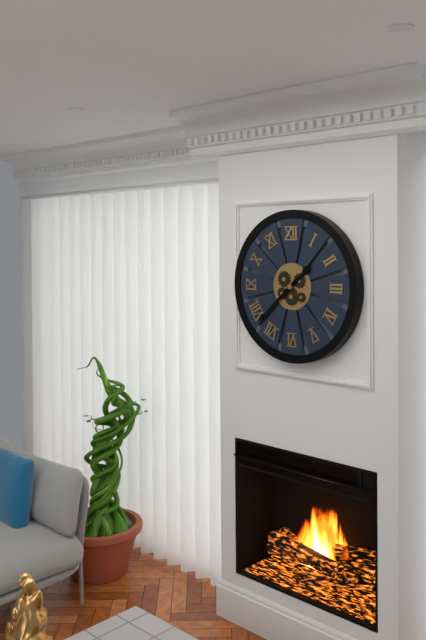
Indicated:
1,38
